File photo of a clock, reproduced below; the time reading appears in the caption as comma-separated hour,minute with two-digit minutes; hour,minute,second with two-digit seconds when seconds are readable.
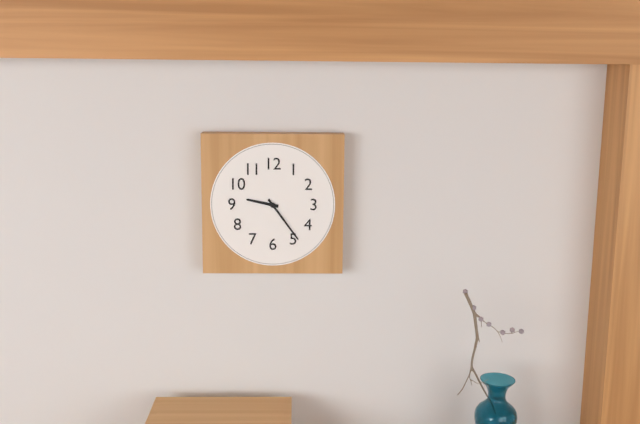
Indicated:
9,24
